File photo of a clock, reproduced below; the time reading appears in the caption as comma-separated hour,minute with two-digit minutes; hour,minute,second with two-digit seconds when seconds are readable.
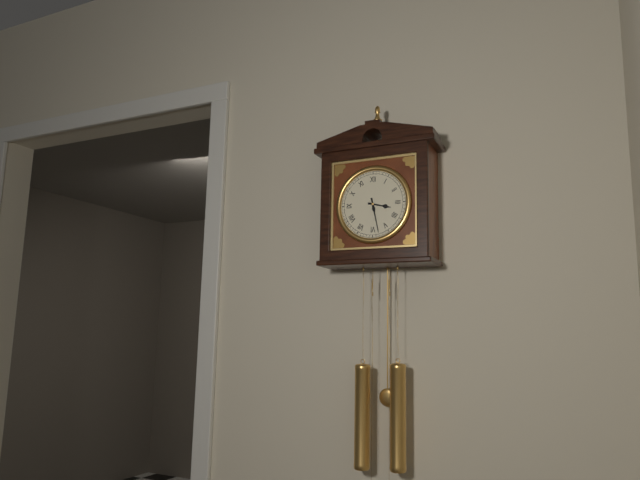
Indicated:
3,28
